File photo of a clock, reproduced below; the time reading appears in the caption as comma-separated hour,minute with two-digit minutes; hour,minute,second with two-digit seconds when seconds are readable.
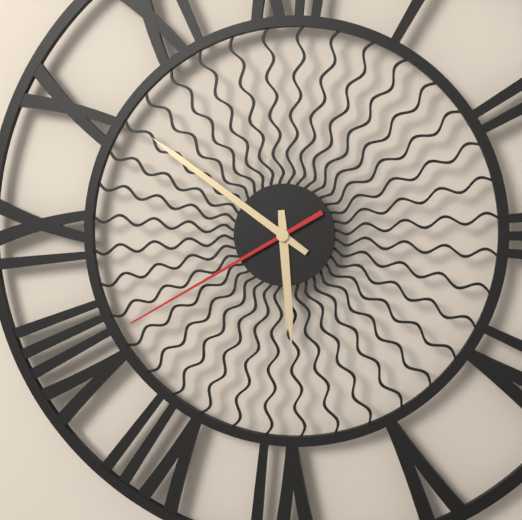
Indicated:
5,51,40
